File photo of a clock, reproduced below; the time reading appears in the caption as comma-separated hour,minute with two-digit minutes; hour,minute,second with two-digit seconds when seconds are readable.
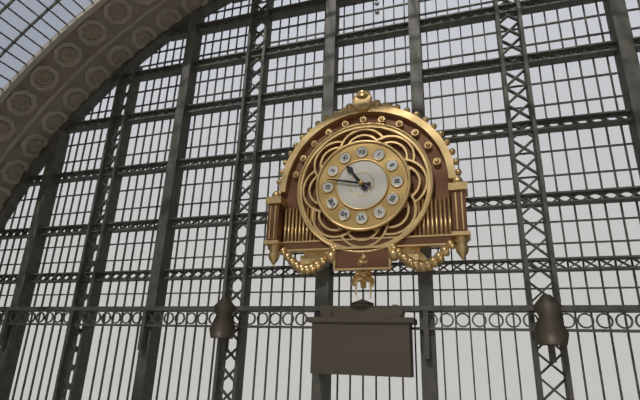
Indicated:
10,47
